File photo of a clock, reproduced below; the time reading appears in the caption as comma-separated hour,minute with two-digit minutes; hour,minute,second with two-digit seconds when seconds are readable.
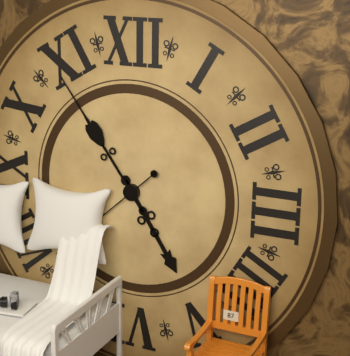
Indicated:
4,54
